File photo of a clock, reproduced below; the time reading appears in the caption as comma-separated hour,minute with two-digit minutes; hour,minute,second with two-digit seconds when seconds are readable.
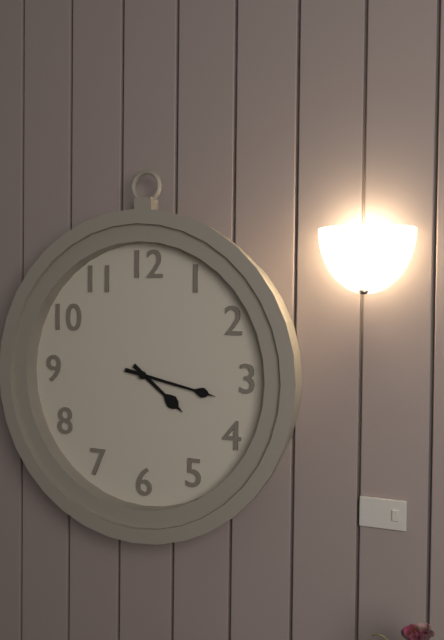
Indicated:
4,17
